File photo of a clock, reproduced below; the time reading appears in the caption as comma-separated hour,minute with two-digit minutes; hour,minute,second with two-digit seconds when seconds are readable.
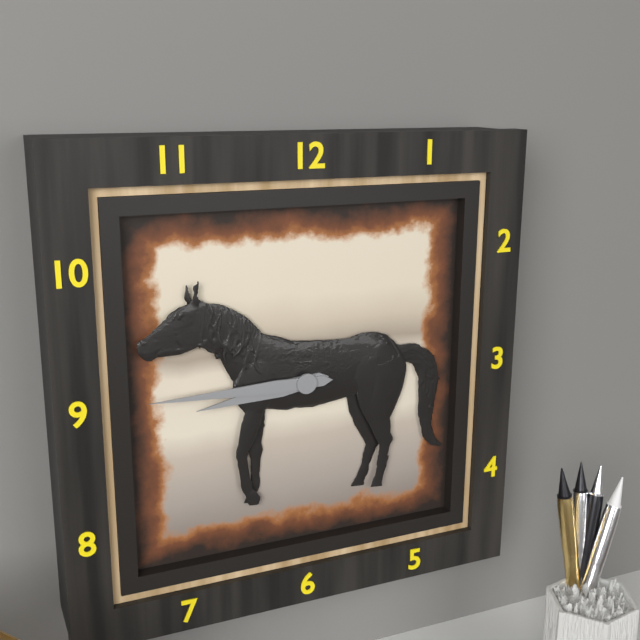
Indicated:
8,45
